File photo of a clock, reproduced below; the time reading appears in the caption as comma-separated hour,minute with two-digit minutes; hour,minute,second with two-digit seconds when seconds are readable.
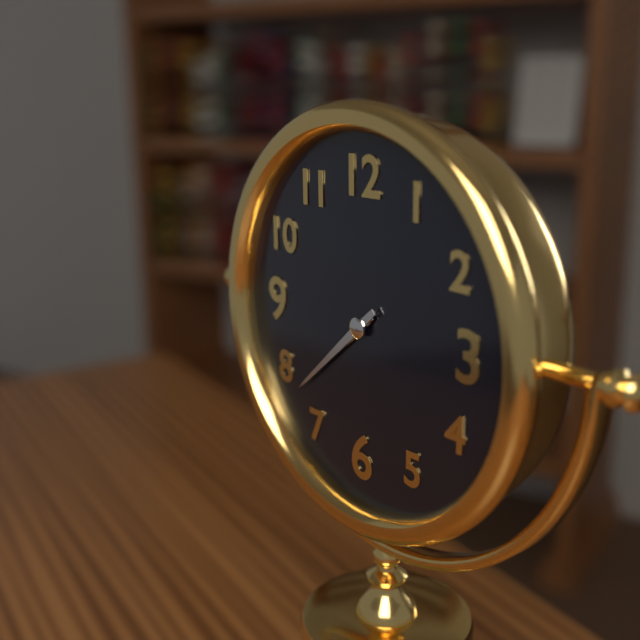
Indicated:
7,38
